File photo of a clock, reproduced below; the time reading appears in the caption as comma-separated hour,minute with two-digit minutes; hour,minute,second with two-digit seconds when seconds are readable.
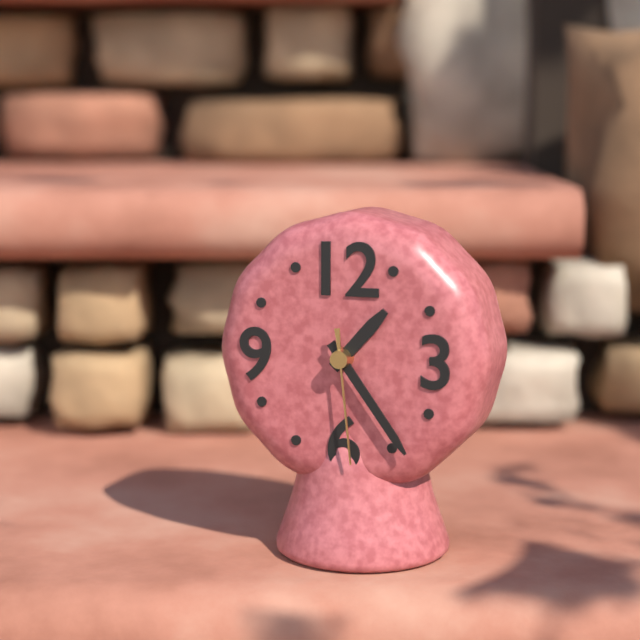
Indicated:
1,24,29
